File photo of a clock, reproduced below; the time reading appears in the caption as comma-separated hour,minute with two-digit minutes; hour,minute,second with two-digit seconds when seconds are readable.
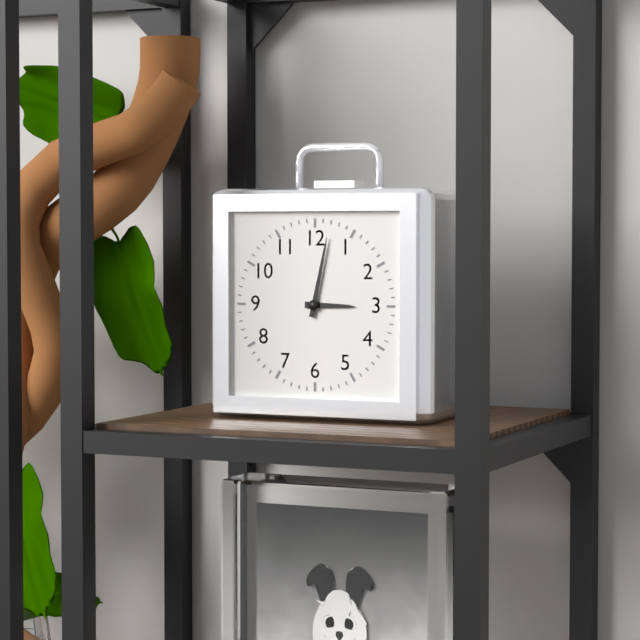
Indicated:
3,02
